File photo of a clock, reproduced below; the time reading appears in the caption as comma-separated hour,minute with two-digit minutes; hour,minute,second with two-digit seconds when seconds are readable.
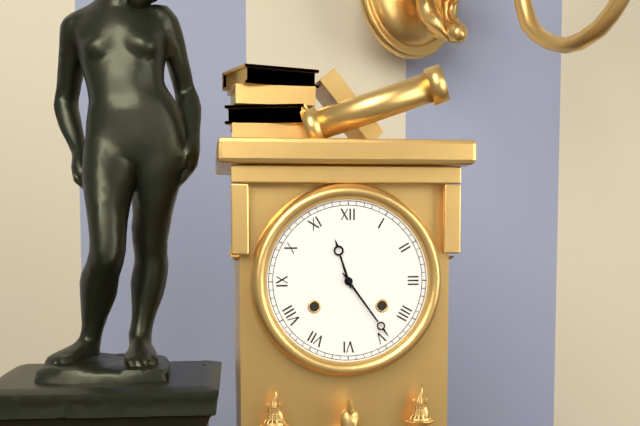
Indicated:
11,24
